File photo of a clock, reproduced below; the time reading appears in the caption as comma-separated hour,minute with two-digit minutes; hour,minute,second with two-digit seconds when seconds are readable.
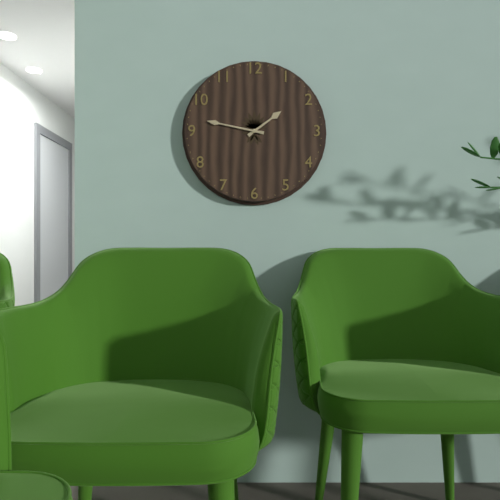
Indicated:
1,47
